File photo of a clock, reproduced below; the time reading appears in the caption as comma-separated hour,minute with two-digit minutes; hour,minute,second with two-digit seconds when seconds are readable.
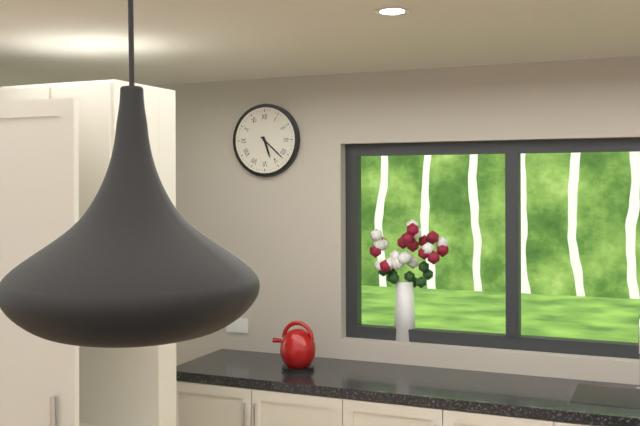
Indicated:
5,22
